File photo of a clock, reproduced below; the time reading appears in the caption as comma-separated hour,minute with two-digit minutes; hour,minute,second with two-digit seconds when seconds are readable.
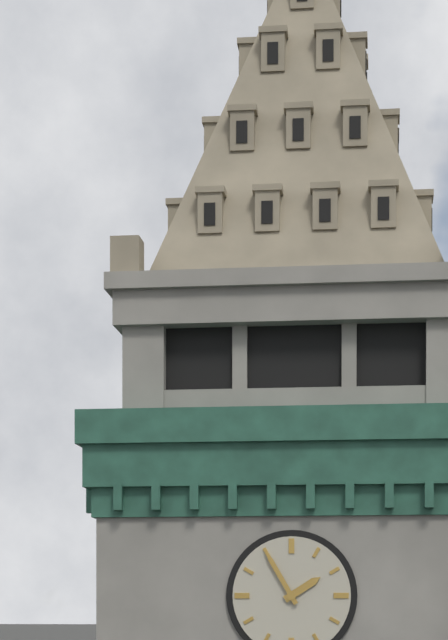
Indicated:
1,55
